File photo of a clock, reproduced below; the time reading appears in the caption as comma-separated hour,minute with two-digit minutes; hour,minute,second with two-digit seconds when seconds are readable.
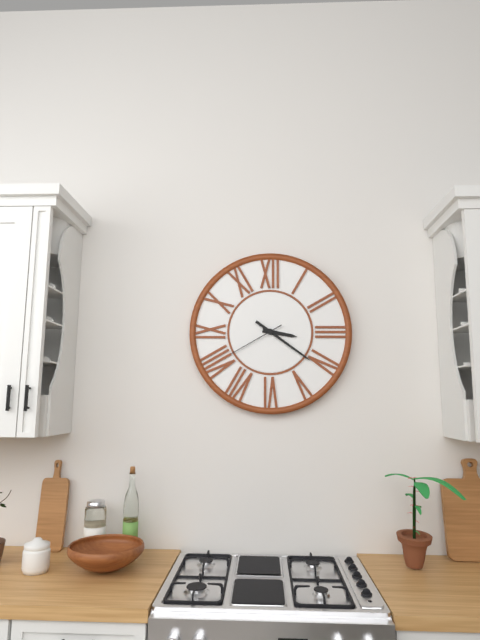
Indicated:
3,21,40
